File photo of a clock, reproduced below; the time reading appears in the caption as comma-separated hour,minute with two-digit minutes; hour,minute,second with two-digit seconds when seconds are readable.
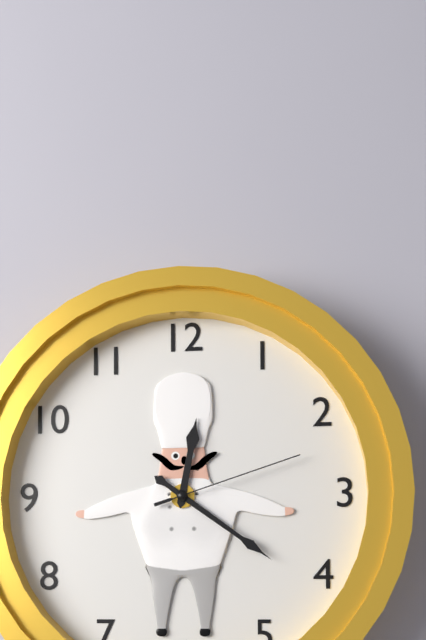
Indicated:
12,21,12
